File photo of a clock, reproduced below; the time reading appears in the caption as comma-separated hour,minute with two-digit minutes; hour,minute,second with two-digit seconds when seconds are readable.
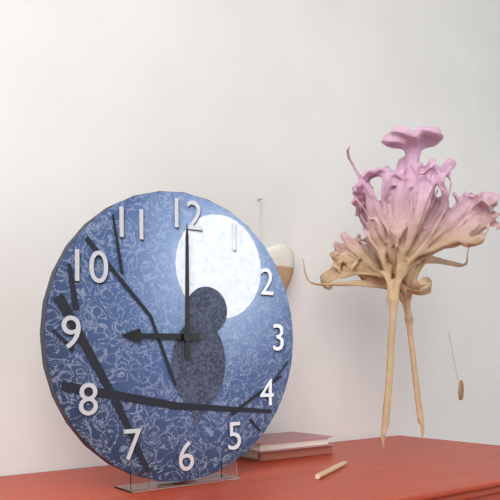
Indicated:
9,00
